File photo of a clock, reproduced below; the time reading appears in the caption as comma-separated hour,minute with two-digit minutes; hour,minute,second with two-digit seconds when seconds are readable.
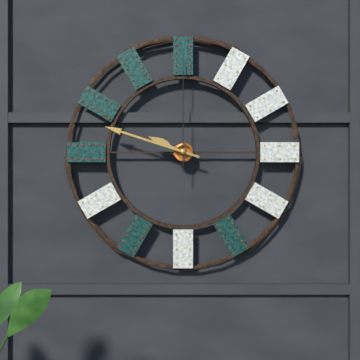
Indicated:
9,48,00
